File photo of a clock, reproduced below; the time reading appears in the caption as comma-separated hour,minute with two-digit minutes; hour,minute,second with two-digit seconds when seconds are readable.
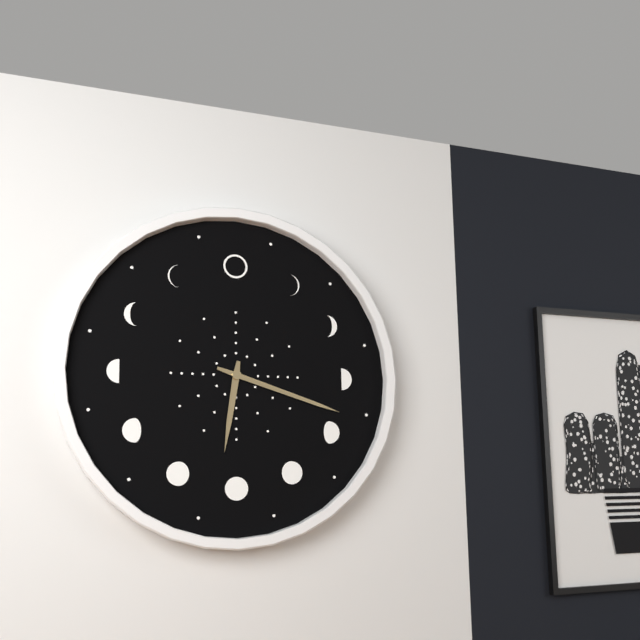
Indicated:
6,18
